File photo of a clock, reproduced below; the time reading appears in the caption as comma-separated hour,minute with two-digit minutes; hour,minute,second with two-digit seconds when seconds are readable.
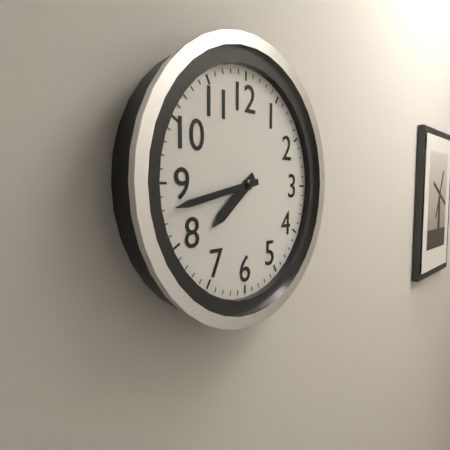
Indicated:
7,43
